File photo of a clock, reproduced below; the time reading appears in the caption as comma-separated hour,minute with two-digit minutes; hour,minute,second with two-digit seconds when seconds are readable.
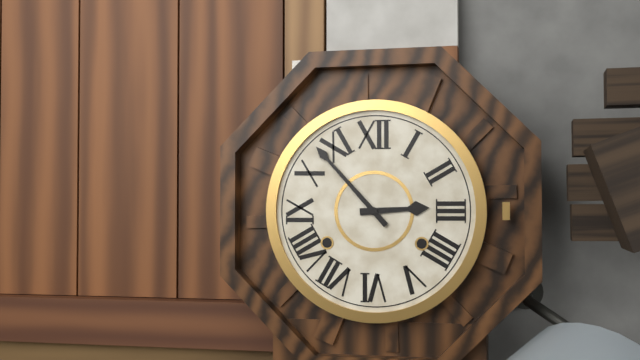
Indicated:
2,53
